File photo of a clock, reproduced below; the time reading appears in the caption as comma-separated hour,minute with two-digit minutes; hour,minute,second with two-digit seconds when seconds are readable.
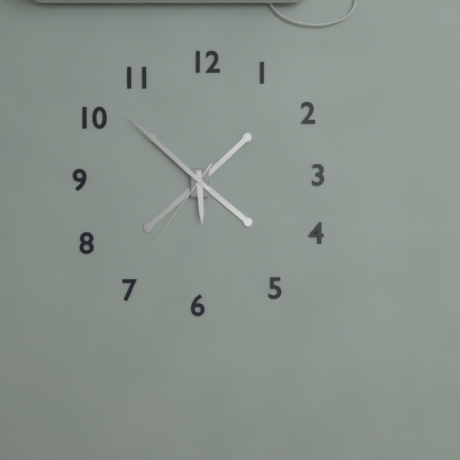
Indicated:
5,52,36
